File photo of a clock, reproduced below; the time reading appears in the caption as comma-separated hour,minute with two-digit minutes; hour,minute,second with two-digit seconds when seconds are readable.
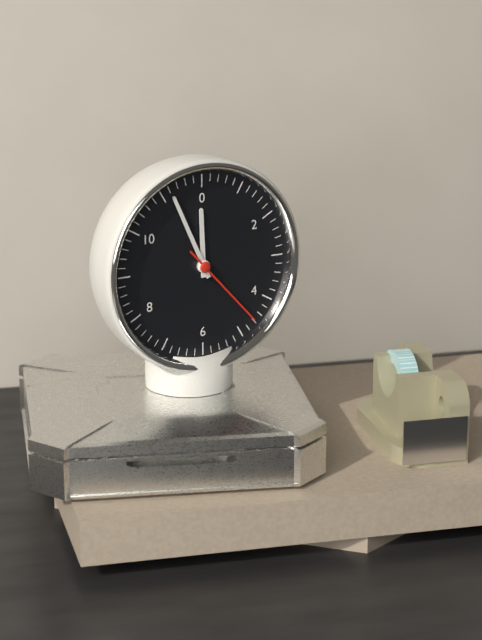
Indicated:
11,56,23
